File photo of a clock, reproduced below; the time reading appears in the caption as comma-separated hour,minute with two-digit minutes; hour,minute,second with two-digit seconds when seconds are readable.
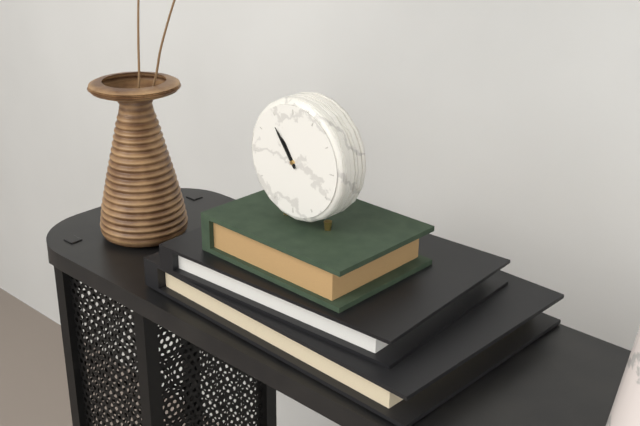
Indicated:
10,54
